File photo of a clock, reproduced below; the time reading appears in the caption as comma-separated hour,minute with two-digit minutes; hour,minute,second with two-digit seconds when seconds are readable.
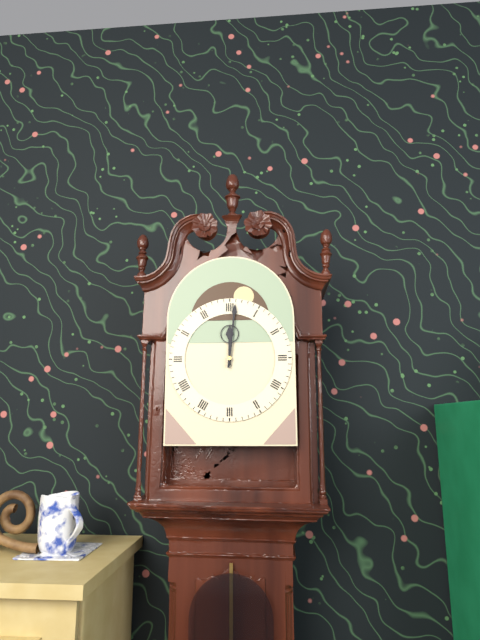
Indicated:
12,01
